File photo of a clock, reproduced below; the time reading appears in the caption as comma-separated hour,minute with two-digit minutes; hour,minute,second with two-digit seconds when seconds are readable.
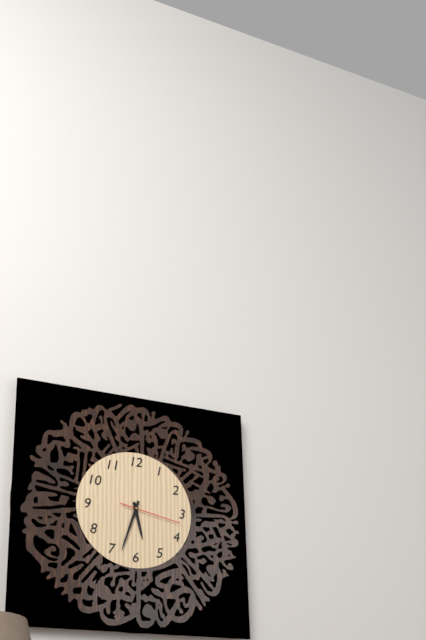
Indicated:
5,33,17
